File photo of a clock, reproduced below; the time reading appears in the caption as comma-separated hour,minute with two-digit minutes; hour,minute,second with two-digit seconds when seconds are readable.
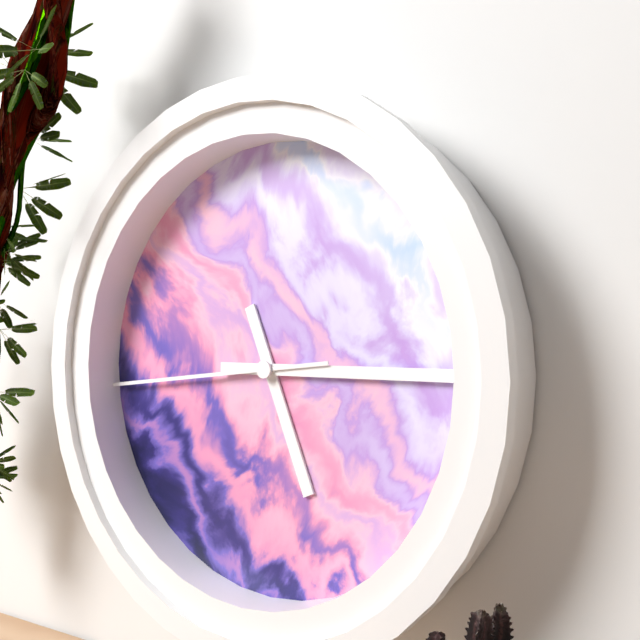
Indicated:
5,15,44
